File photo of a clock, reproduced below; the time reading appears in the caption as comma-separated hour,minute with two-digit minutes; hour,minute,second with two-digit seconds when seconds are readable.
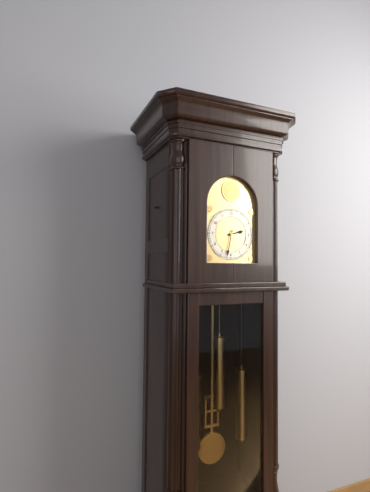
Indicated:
2,32
